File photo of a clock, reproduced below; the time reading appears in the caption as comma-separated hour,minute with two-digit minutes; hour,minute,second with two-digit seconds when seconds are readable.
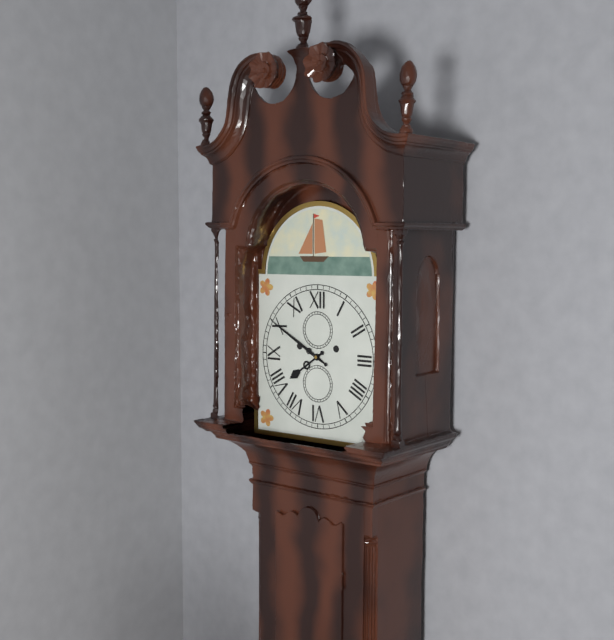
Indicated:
7,50
